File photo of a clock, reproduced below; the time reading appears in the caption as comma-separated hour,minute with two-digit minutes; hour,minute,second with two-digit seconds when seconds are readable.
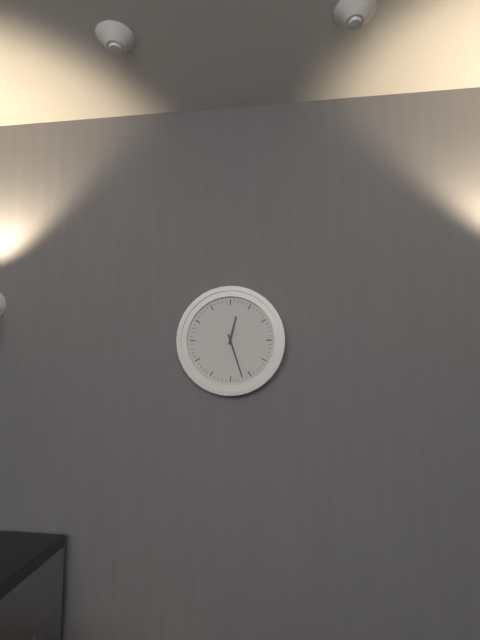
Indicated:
12,27
